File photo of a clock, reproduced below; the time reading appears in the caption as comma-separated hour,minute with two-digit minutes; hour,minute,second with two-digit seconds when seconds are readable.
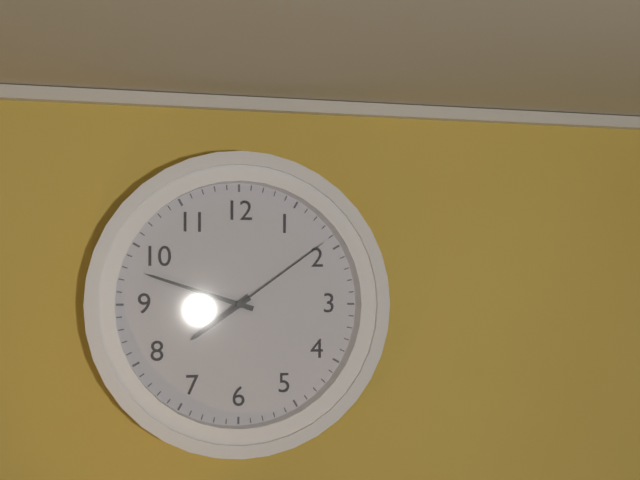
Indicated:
7,48,09
